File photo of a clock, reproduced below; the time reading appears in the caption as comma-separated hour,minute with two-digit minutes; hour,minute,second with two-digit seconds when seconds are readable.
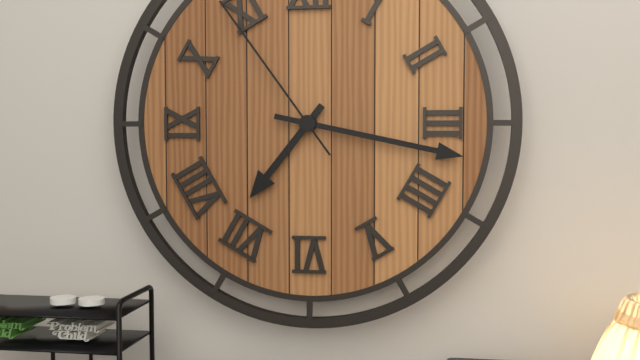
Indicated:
7,17,54
